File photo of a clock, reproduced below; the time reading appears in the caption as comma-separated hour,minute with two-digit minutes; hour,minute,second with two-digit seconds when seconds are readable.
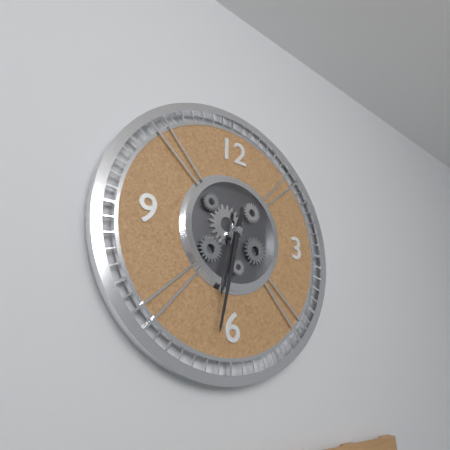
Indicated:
6,32
